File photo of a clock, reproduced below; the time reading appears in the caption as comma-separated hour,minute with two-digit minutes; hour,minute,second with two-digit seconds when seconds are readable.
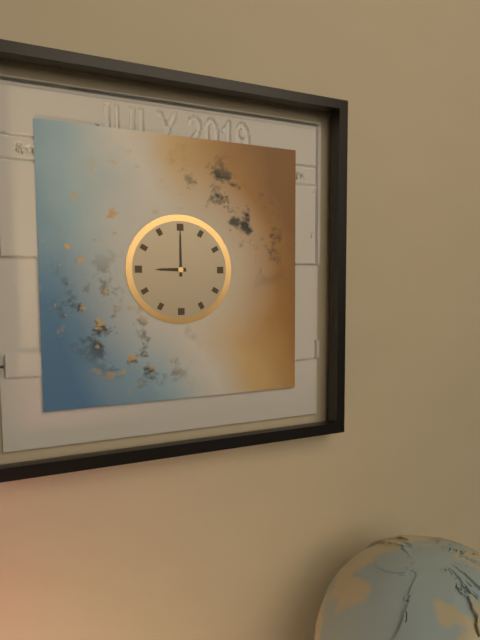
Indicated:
9,00
